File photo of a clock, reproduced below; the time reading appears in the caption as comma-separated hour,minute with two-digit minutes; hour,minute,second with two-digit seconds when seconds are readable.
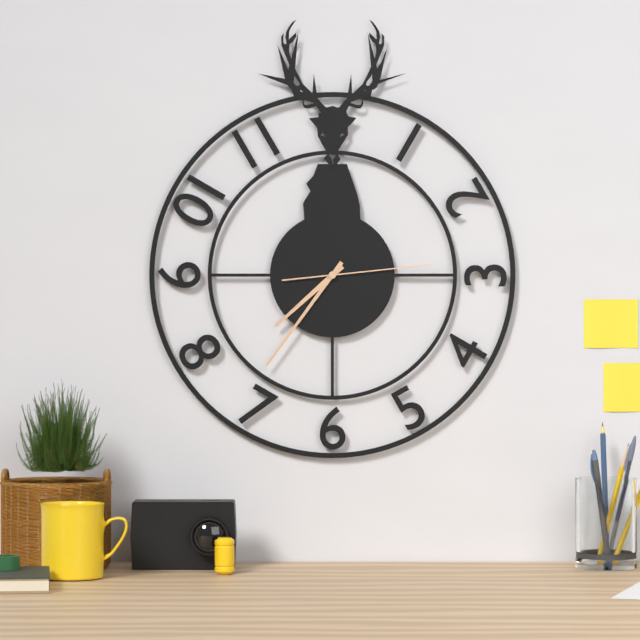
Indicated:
7,36,14
